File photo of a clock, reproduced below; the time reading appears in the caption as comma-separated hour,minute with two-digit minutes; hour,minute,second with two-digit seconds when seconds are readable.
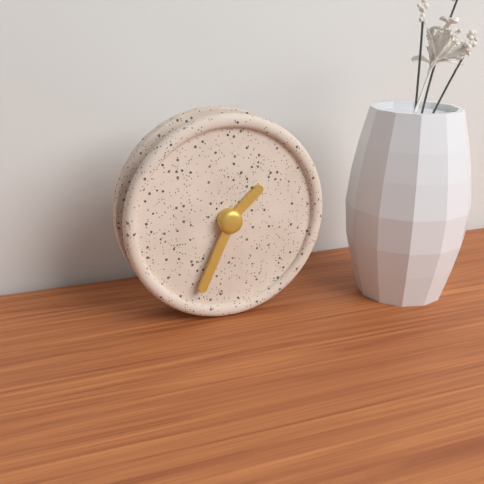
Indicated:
1,34
